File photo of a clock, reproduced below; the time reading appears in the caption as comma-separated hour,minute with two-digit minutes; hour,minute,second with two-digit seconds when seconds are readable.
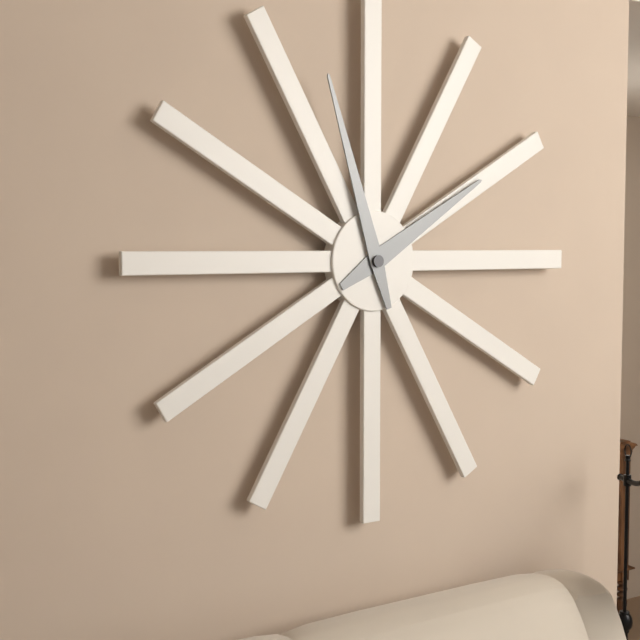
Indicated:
1,57
